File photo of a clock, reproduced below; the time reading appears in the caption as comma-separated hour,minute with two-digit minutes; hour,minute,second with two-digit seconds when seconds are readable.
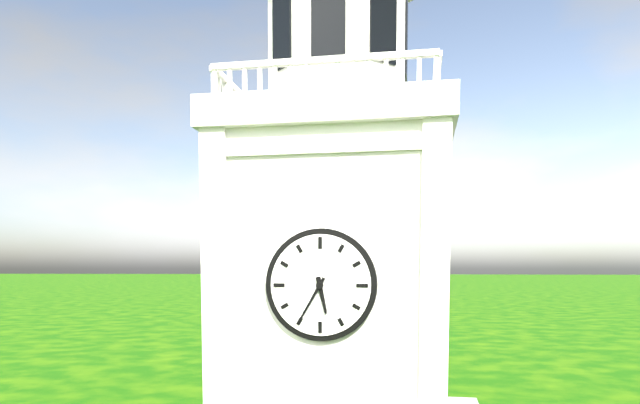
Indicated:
5,35
